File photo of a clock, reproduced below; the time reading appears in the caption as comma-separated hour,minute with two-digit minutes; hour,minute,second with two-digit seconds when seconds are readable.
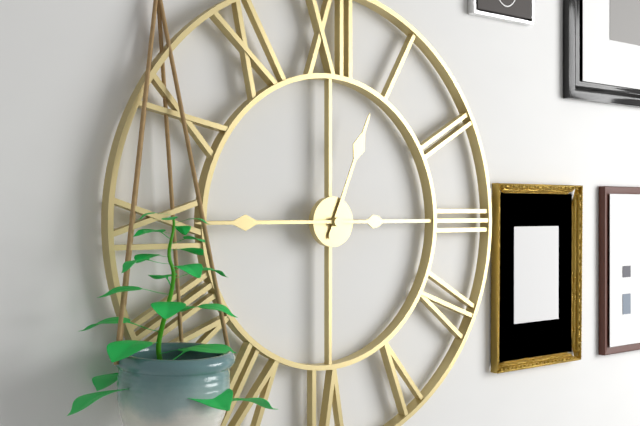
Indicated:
12,45
